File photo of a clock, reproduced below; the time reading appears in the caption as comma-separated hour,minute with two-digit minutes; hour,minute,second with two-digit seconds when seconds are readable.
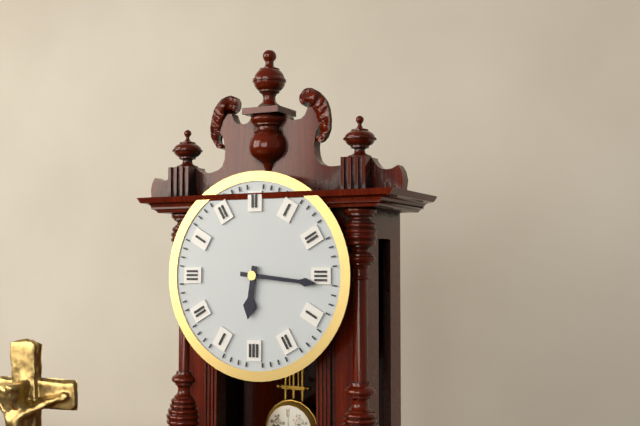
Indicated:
6,16
